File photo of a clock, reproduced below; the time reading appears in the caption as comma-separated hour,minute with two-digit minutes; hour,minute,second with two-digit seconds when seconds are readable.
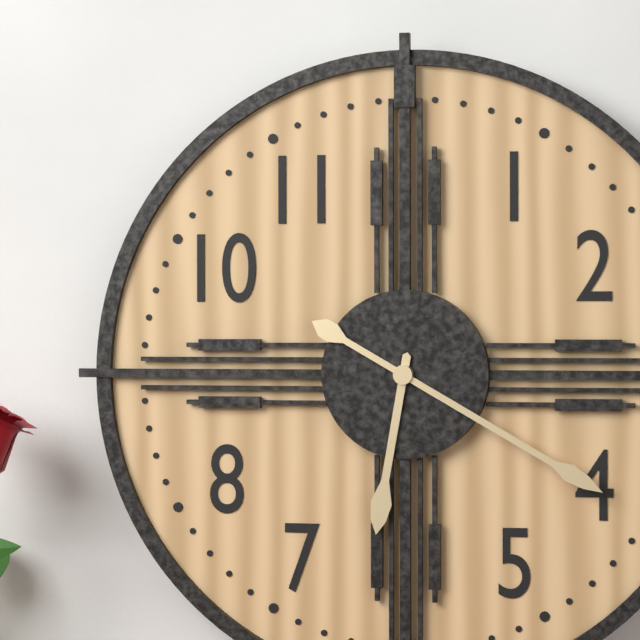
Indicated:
6,20
